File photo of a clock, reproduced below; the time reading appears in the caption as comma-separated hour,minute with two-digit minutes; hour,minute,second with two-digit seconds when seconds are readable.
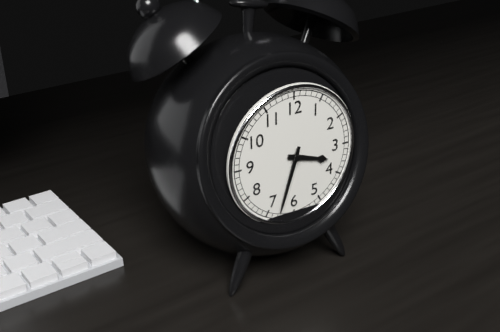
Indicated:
3,33
